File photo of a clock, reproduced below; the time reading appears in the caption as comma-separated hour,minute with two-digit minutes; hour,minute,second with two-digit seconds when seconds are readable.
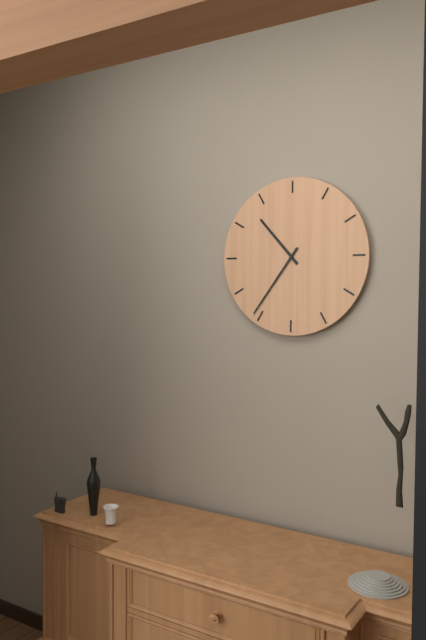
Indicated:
10,36
